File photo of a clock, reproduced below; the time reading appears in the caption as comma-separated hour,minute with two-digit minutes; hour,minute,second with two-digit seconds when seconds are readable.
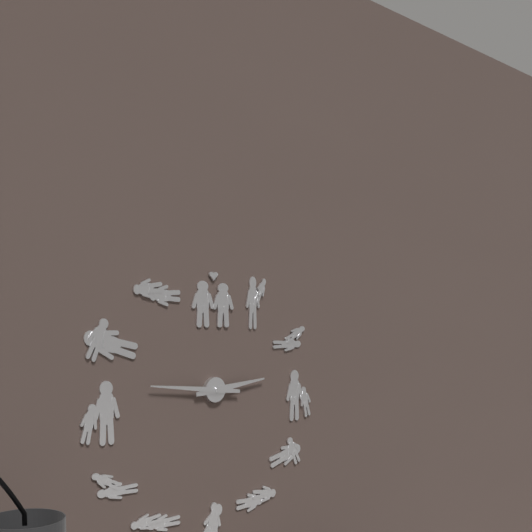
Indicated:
2,46
